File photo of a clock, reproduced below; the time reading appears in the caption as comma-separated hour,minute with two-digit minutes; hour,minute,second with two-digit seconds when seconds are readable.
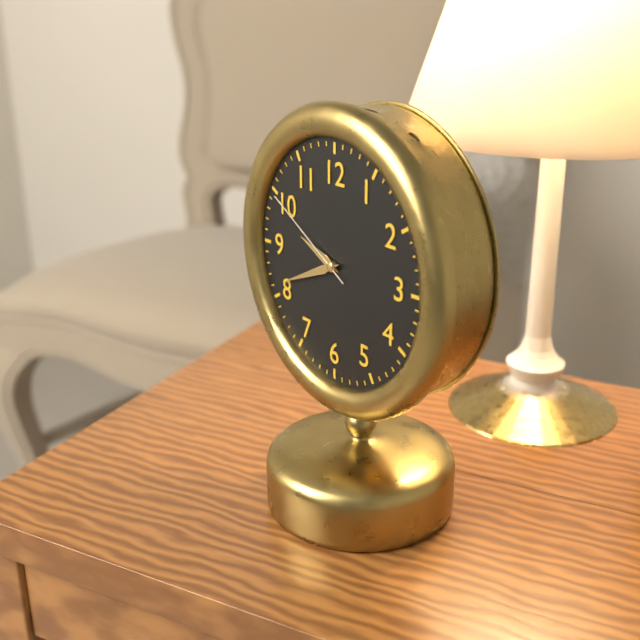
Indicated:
9,41,50
